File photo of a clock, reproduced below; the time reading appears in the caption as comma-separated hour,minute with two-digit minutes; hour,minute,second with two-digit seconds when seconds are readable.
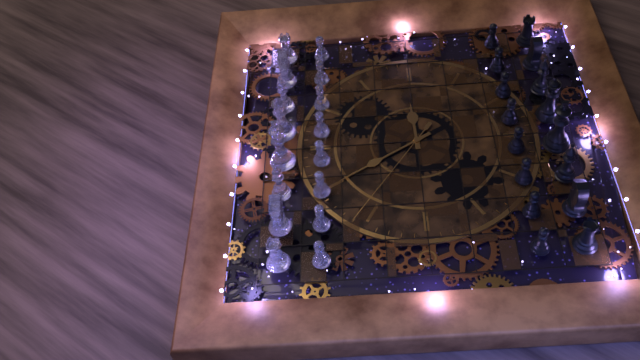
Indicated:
2,55,51
